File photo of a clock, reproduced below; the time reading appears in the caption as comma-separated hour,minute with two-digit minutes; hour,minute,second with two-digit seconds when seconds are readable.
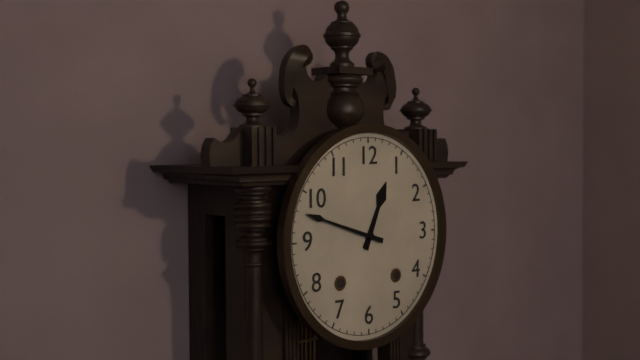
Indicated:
12,48
